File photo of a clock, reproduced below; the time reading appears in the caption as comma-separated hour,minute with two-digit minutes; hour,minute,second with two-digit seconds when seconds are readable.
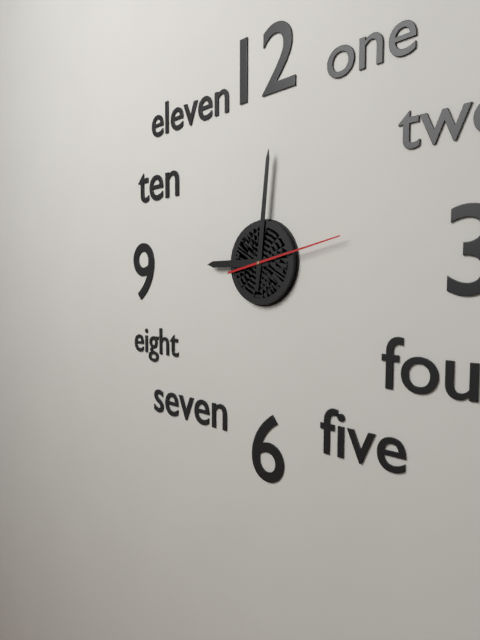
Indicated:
9,01,13
